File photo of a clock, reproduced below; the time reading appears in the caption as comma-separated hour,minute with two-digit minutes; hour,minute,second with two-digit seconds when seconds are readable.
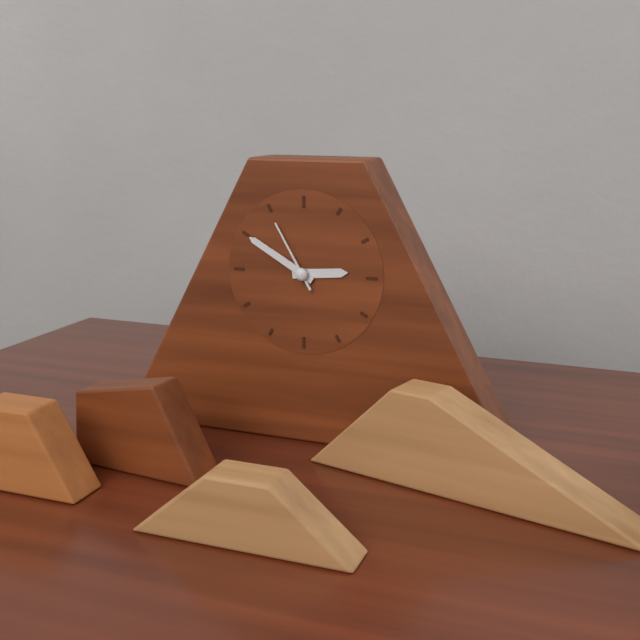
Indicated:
2,50,55
